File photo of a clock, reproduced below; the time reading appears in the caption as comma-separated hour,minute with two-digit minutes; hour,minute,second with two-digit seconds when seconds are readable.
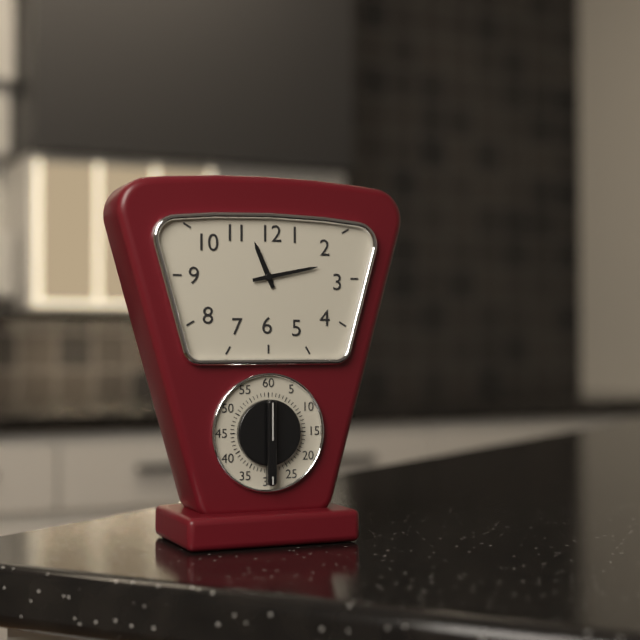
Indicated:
11,13
